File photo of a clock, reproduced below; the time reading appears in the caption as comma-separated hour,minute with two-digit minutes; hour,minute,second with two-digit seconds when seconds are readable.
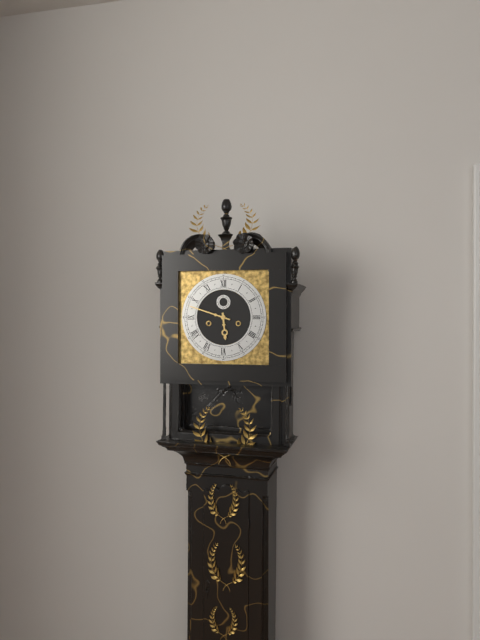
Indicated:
5,48
